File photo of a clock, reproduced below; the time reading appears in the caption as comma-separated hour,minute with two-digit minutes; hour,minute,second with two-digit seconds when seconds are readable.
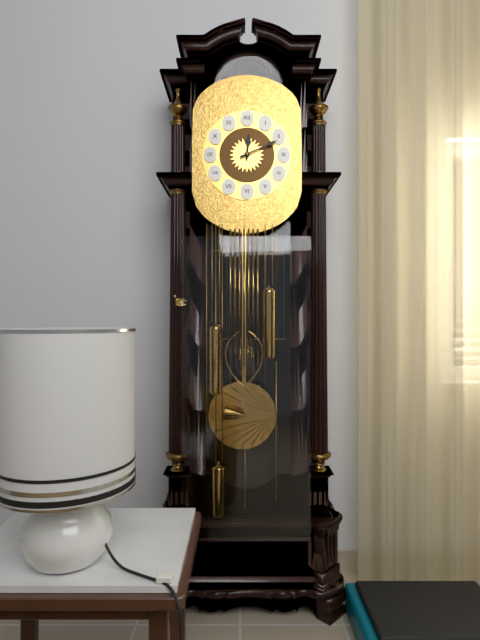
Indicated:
12,11
